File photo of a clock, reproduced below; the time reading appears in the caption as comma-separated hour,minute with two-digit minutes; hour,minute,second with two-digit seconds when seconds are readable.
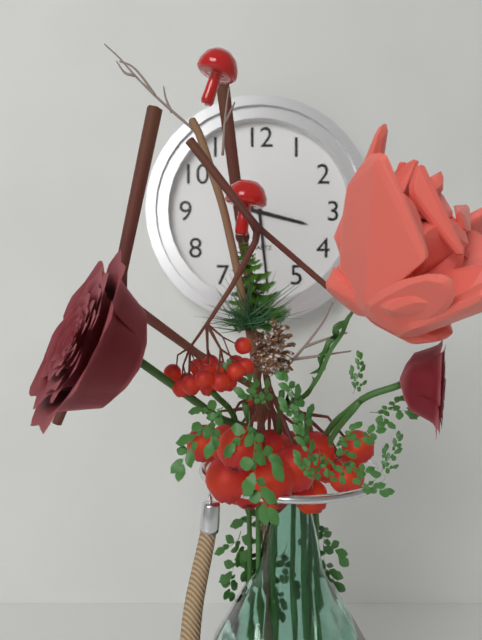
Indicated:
3,29
